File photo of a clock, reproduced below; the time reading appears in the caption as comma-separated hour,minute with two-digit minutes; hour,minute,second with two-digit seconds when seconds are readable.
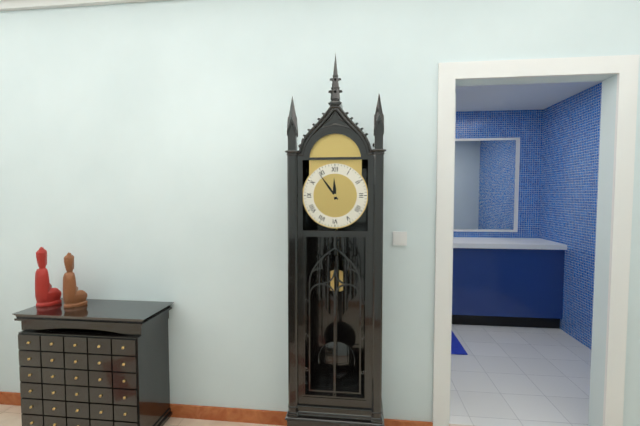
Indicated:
11,54
